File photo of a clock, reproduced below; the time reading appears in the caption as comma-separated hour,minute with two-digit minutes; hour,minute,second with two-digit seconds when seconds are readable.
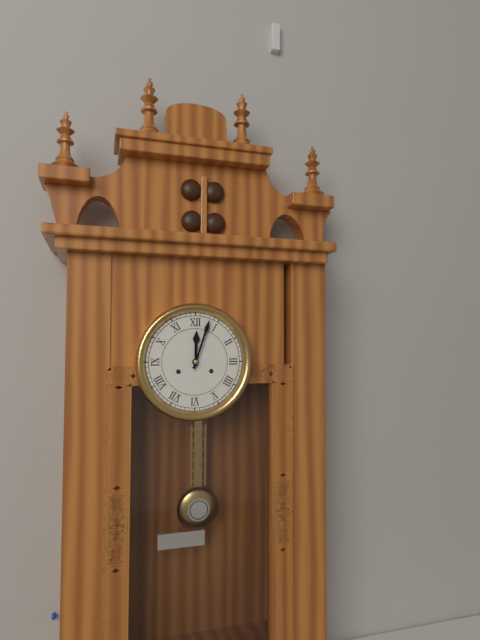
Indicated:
12,03
